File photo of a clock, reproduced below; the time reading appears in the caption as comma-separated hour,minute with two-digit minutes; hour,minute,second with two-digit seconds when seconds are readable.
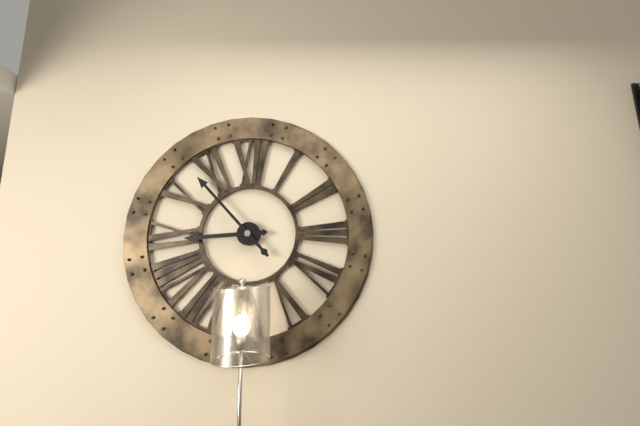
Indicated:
8,53
